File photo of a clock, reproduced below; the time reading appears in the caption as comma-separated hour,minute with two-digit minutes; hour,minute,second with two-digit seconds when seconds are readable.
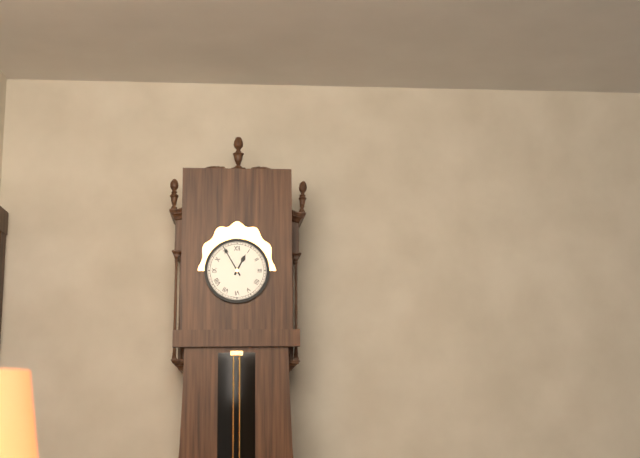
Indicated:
12,55
